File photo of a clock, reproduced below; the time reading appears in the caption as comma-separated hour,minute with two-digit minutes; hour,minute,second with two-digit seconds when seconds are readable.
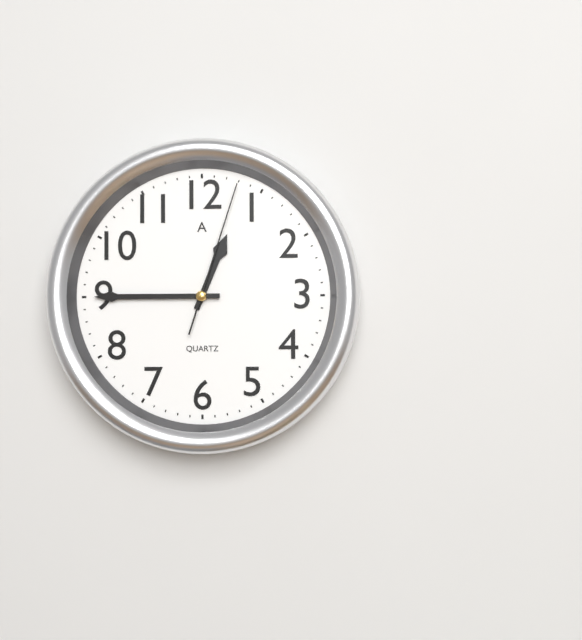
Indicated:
12,45,03
